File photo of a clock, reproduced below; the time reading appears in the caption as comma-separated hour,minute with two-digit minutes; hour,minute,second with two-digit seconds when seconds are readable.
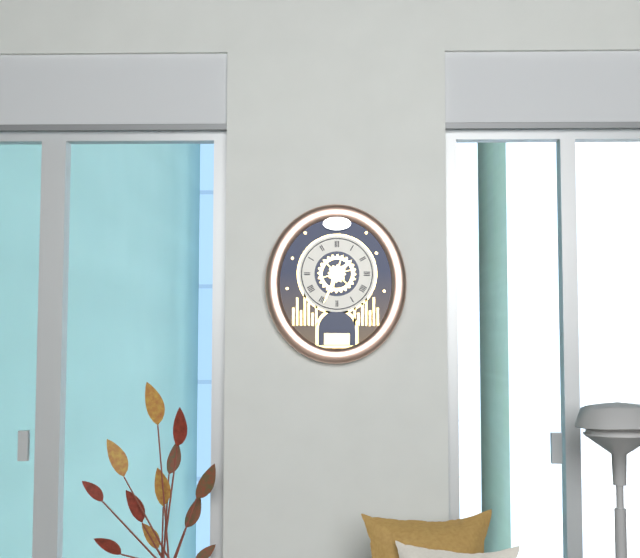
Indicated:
1,34
